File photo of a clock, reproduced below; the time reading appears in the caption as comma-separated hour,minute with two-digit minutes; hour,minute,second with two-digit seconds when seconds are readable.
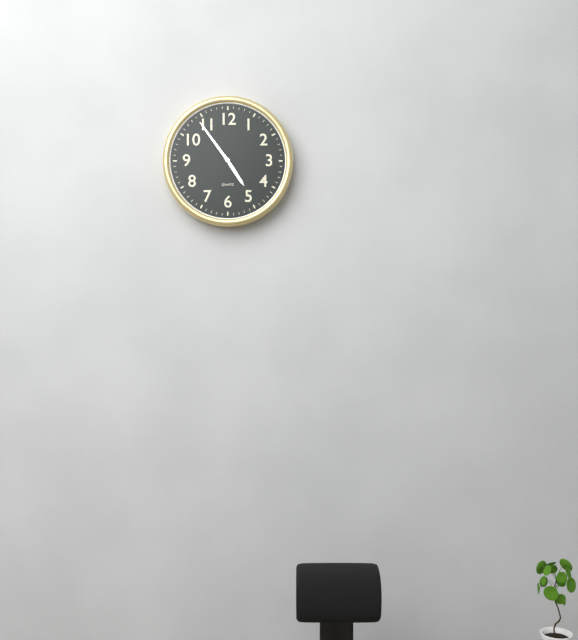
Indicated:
4,54
